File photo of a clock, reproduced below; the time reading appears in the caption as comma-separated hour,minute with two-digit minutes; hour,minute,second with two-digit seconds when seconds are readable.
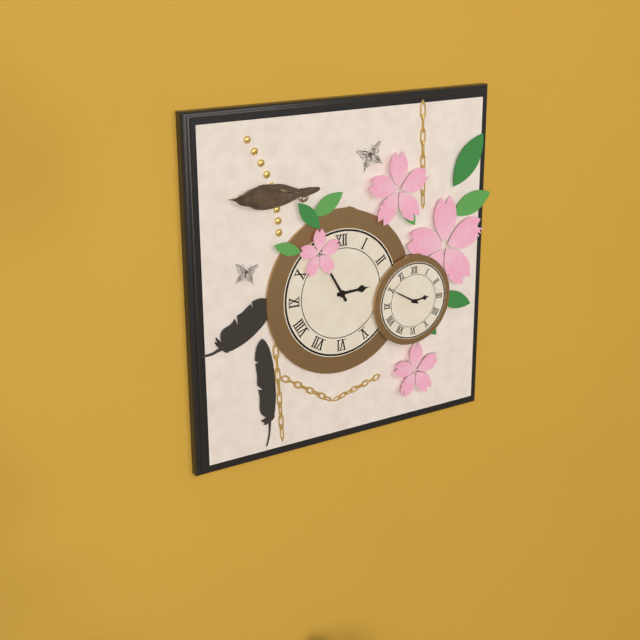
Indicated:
2,55
